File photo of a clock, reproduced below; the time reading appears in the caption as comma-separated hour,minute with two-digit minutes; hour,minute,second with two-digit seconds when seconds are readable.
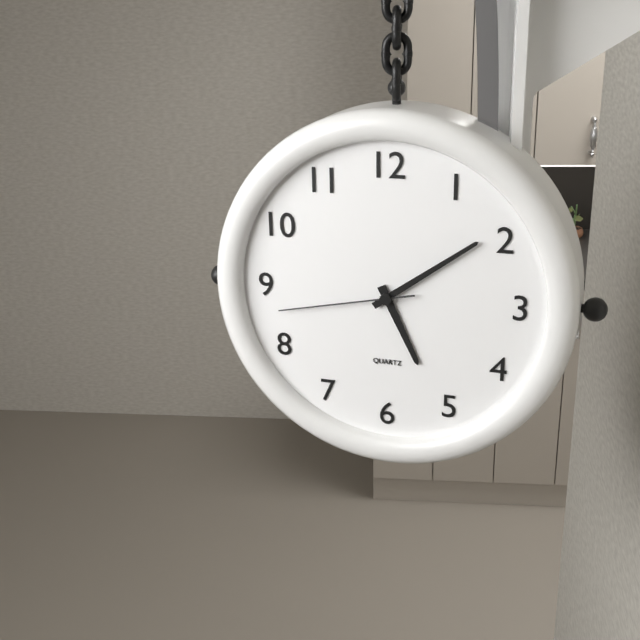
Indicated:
5,09,43
